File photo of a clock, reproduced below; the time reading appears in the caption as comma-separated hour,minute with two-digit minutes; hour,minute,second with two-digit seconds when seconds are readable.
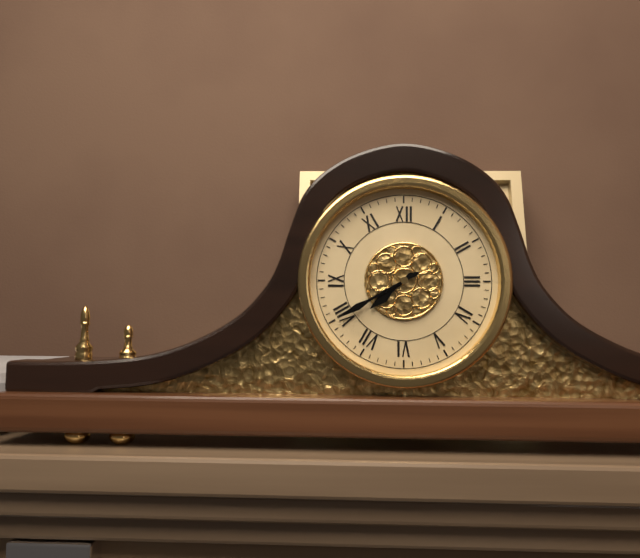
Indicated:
7,40
